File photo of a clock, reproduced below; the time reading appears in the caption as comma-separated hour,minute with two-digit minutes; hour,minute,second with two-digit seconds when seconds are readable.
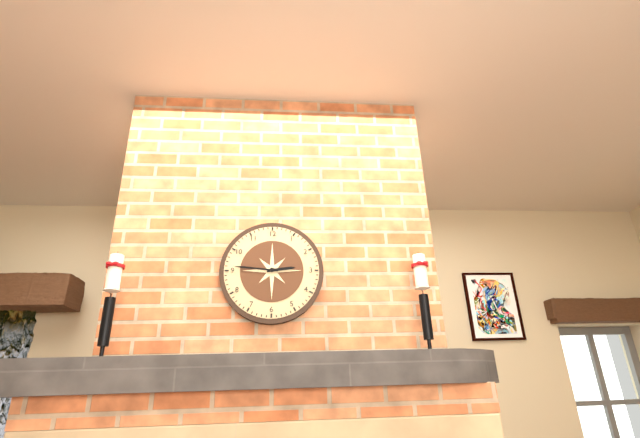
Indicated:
2,46
